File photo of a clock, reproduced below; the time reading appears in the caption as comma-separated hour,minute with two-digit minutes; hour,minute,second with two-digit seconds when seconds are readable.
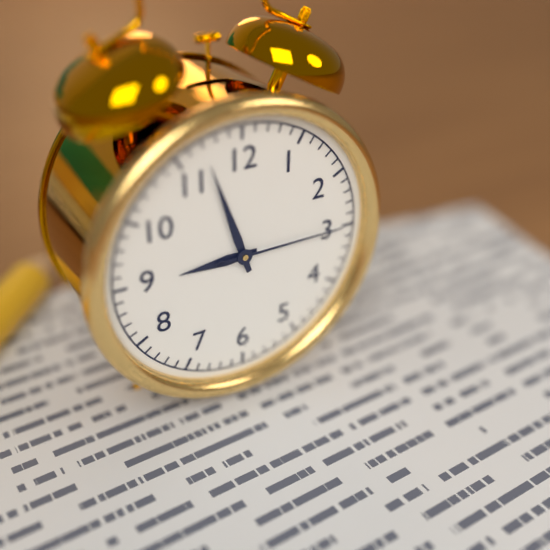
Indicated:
8,57,15
